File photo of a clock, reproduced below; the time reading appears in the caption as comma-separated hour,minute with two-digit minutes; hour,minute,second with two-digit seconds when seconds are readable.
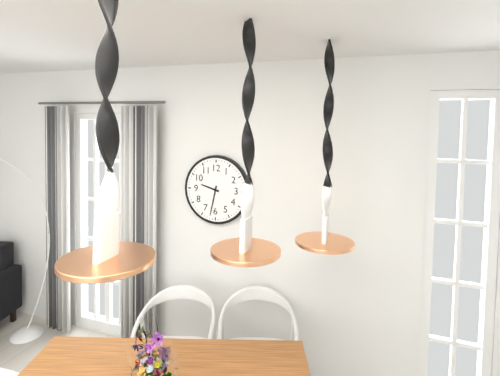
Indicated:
9,32
